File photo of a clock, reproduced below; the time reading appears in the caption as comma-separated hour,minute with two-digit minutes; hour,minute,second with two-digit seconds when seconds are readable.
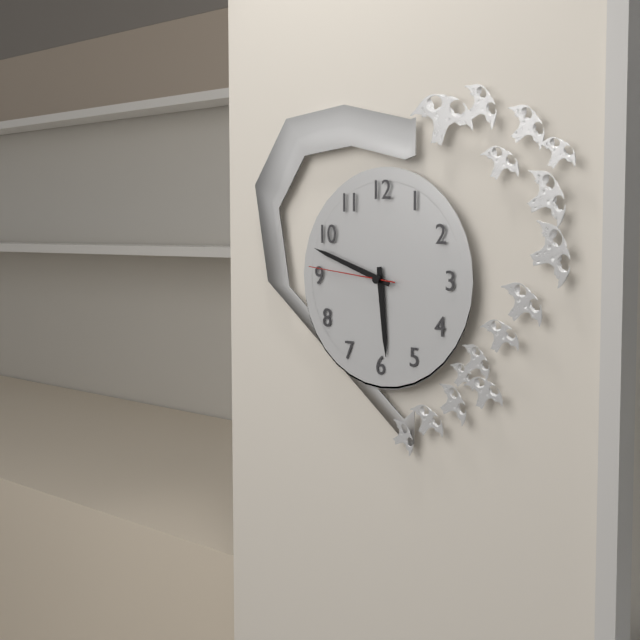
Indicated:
5,48,46
